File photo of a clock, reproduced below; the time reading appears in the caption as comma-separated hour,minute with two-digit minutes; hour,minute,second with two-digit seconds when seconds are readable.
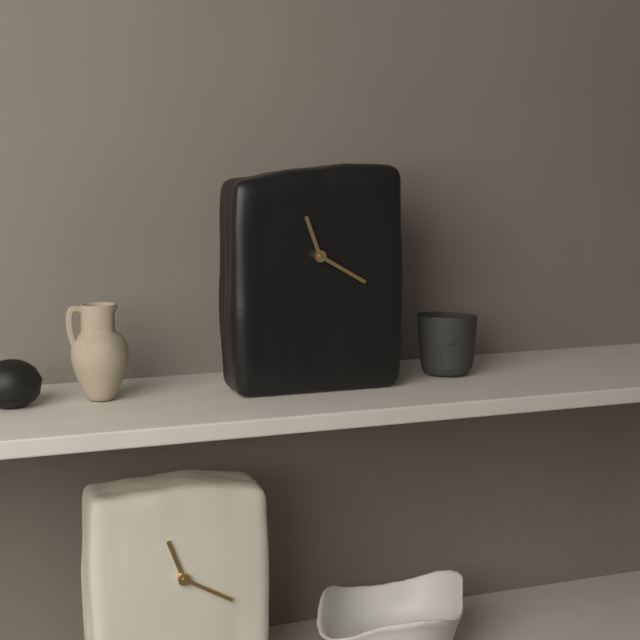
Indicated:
11,20
